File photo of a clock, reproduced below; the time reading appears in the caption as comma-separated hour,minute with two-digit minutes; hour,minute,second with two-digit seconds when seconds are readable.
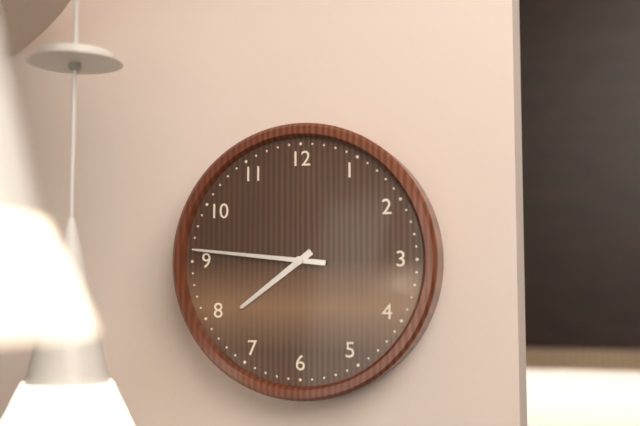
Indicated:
7,46
